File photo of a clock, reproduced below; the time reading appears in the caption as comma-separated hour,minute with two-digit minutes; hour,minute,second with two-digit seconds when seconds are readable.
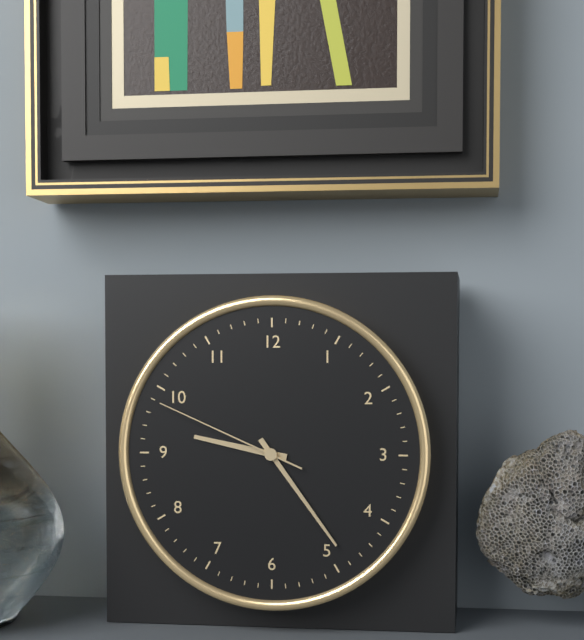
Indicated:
9,24,49
